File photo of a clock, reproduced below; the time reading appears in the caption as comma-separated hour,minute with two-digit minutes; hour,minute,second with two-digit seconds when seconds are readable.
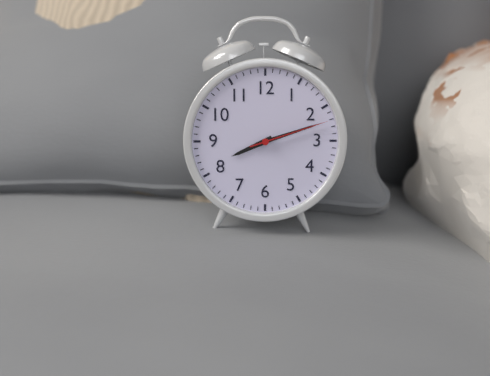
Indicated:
8,12,12
